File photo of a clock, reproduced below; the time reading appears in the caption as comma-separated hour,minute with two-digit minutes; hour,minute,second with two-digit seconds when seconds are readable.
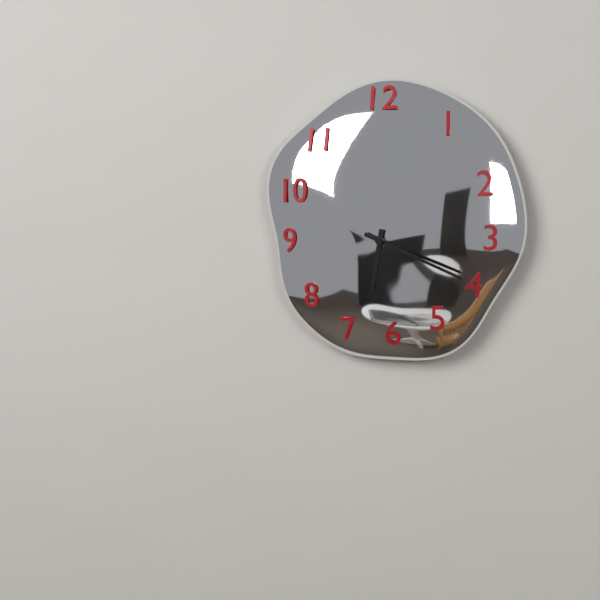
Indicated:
6,19
